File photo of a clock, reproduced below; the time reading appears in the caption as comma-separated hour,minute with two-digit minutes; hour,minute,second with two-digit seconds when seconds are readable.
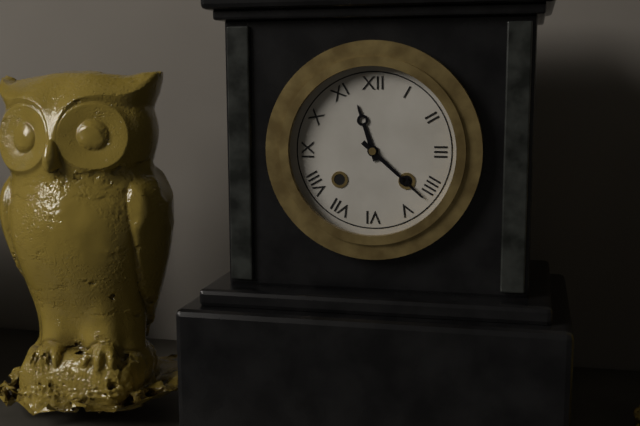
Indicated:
11,22
